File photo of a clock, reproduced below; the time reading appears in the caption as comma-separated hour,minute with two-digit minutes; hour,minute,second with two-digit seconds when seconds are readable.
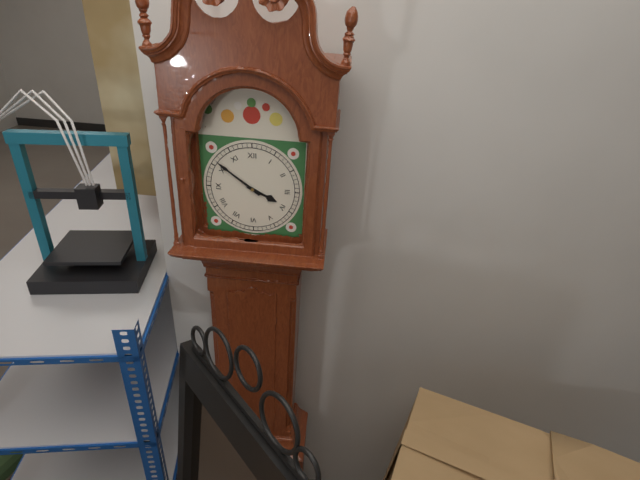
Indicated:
3,51
